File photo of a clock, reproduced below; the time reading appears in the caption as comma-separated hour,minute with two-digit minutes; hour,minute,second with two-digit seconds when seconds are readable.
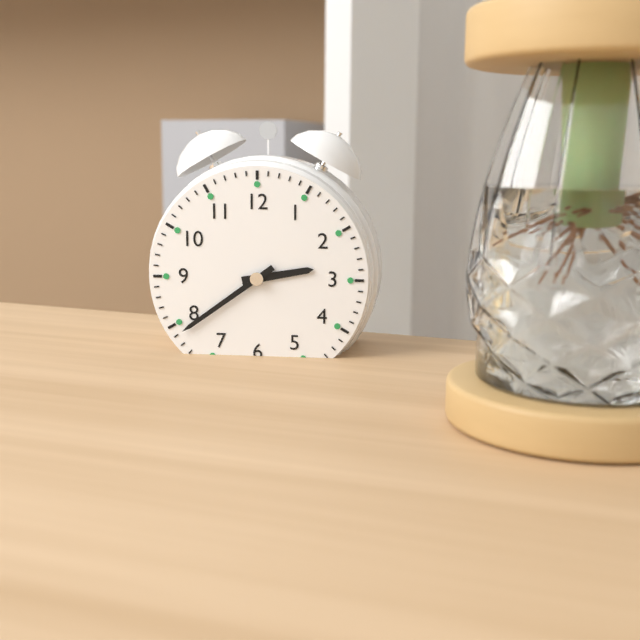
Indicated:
2,39
